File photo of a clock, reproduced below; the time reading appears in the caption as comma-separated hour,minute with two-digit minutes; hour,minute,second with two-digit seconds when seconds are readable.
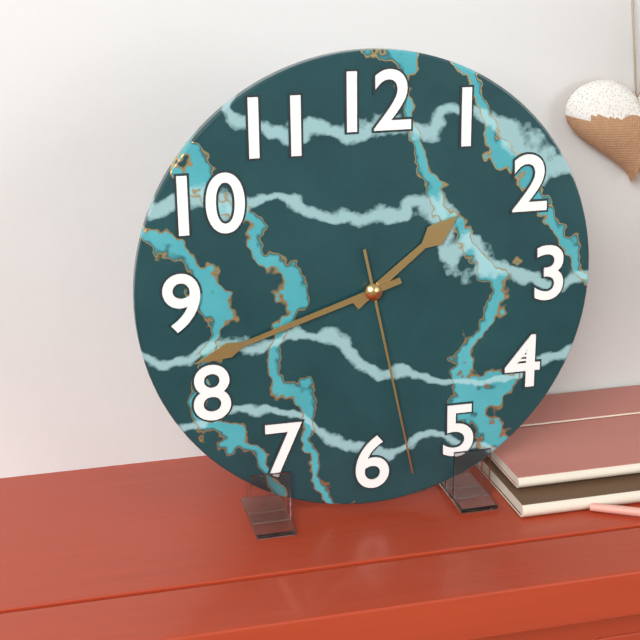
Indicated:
1,42,28
